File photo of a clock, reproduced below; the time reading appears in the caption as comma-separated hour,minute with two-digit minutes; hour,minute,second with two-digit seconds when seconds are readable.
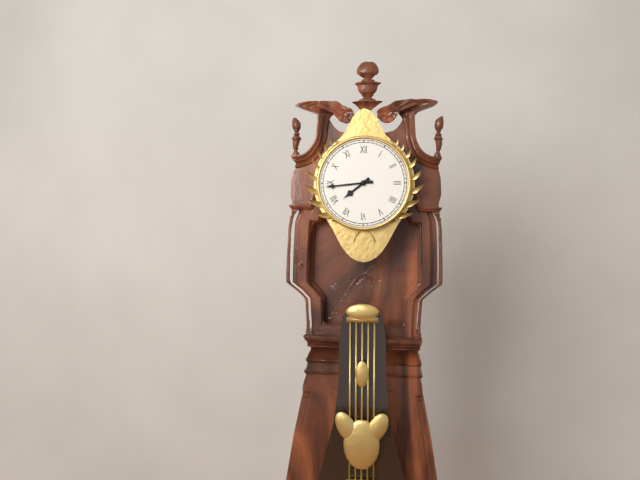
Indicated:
7,44
